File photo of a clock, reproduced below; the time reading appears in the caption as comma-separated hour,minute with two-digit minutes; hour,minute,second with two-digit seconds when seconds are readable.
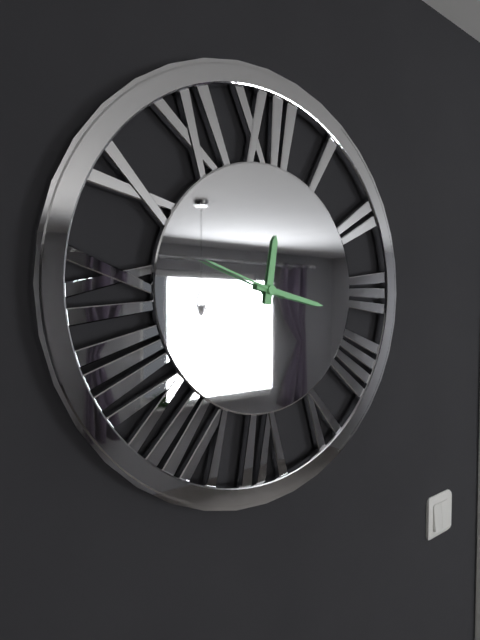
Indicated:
12,17,48
